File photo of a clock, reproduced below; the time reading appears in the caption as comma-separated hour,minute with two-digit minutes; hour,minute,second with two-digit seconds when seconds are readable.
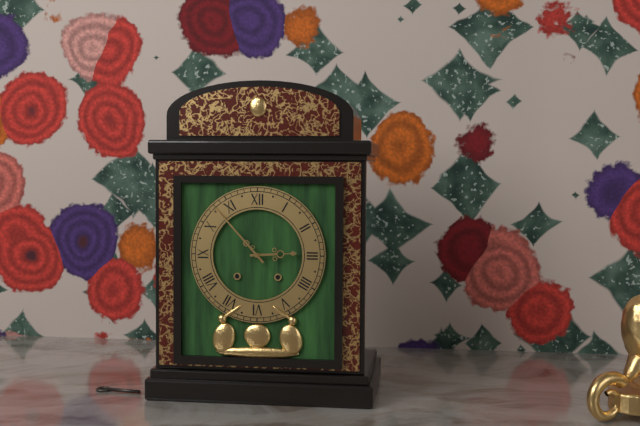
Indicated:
2,53
